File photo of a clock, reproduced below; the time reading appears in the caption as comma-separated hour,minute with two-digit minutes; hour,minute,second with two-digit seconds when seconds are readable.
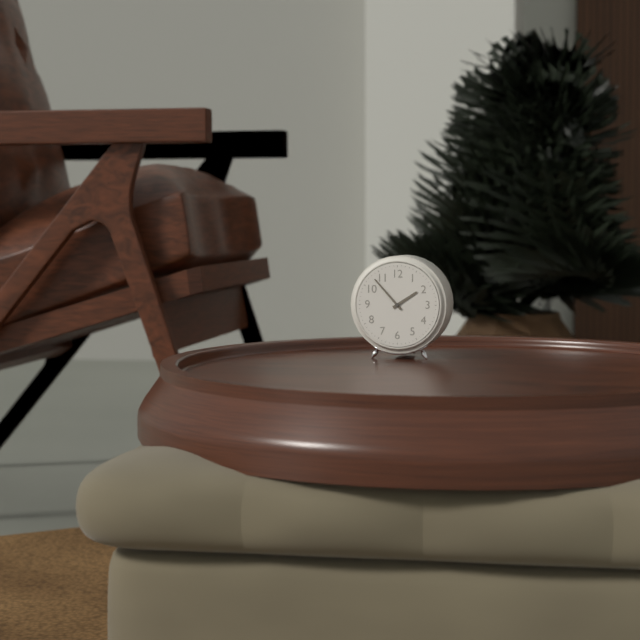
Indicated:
1,53
